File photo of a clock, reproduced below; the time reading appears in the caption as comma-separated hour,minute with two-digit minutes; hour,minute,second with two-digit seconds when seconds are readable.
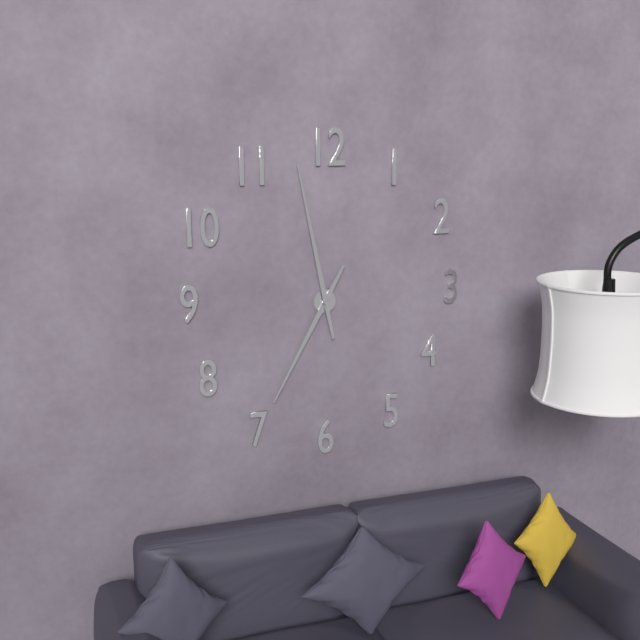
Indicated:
6,58
